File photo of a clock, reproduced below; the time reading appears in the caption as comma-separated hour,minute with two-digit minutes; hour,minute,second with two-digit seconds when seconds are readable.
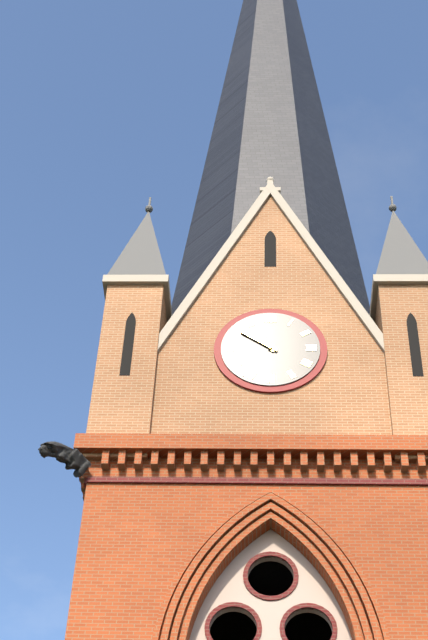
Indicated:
10,51
